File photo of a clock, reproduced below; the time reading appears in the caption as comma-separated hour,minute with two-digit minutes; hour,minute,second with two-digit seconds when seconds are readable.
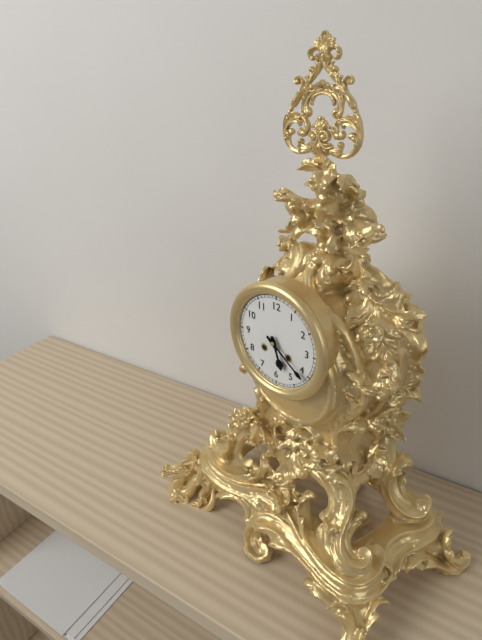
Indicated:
5,21
